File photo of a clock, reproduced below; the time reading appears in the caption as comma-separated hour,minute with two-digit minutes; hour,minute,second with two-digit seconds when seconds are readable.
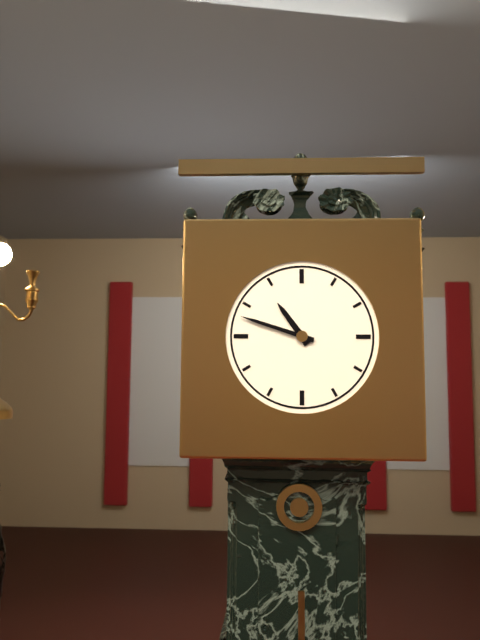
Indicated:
10,48
